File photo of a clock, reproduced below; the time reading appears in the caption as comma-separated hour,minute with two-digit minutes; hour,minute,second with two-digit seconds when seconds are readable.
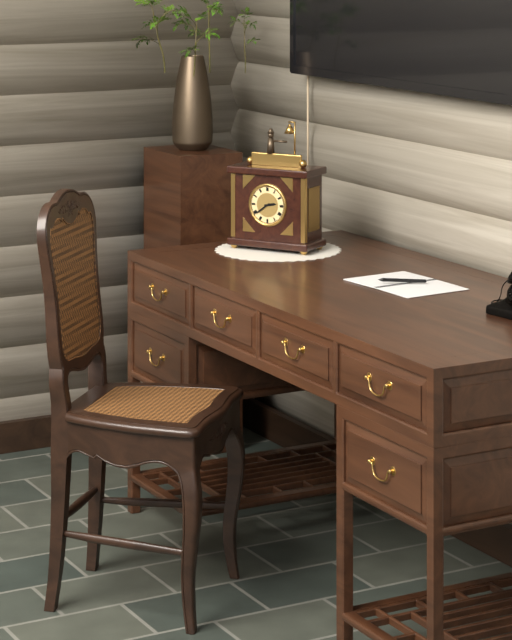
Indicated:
2,39
